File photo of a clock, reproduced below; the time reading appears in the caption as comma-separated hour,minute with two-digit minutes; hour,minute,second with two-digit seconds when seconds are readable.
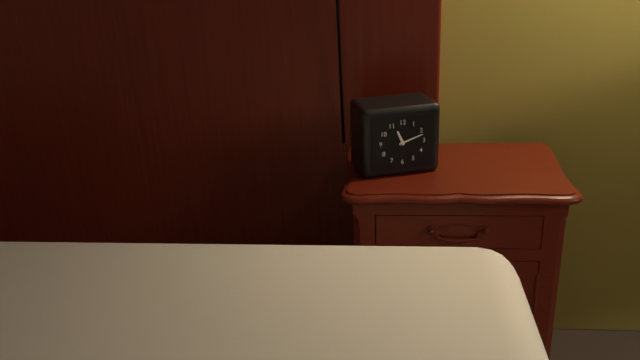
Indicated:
11,12
